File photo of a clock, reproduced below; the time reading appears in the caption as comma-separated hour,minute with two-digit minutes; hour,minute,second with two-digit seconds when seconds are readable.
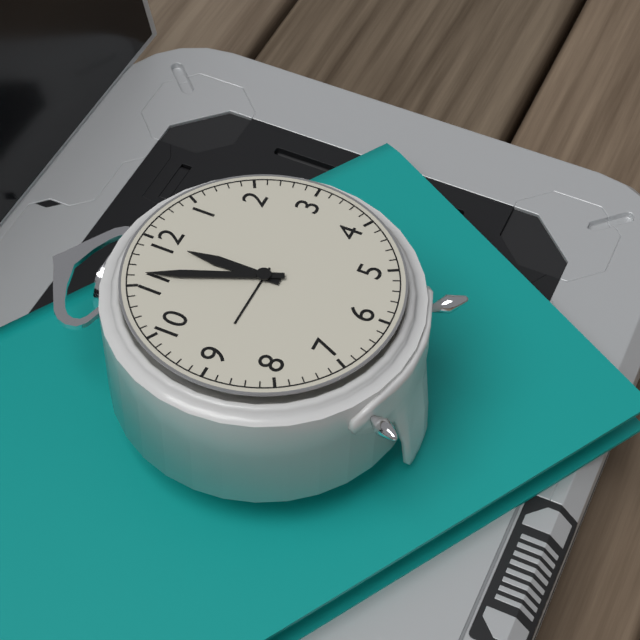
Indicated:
11,56
